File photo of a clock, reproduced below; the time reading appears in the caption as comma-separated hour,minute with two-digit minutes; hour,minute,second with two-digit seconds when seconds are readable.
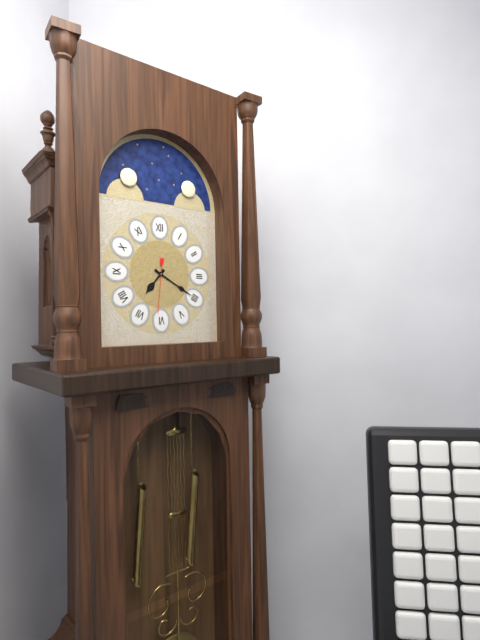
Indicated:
7,20,31
